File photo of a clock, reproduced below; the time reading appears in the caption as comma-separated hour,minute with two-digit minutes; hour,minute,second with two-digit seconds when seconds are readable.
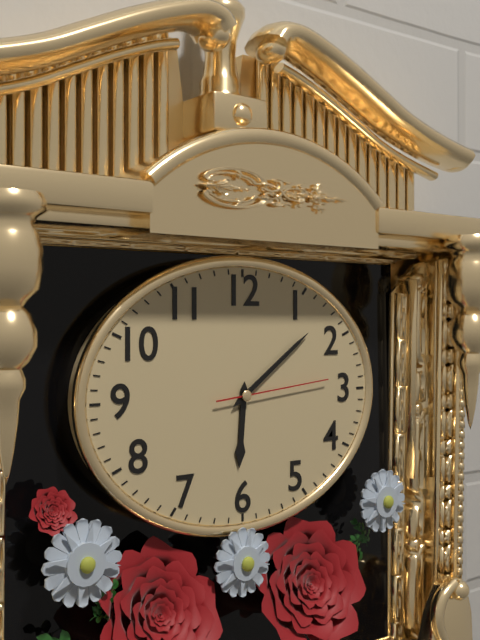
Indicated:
6,09,14
